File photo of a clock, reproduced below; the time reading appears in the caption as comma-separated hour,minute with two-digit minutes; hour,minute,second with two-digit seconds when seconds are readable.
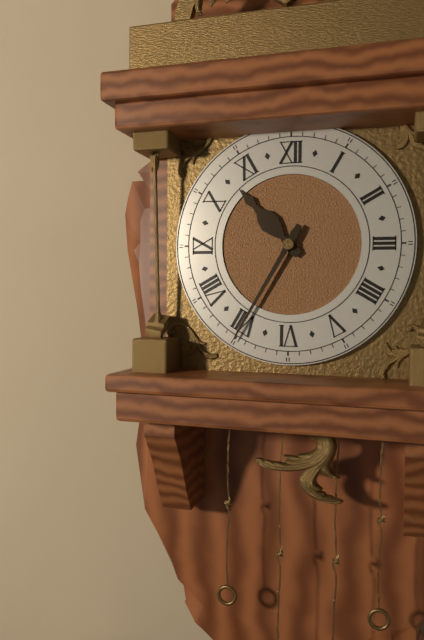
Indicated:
10,35
